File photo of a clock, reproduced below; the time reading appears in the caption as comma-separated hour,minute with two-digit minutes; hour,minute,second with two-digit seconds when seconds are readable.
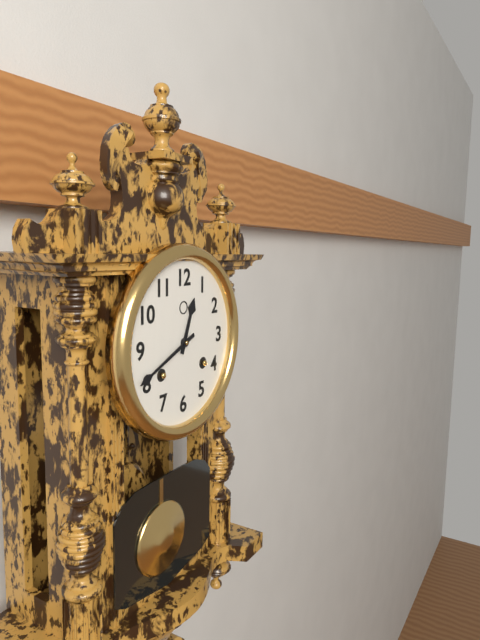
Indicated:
12,41
